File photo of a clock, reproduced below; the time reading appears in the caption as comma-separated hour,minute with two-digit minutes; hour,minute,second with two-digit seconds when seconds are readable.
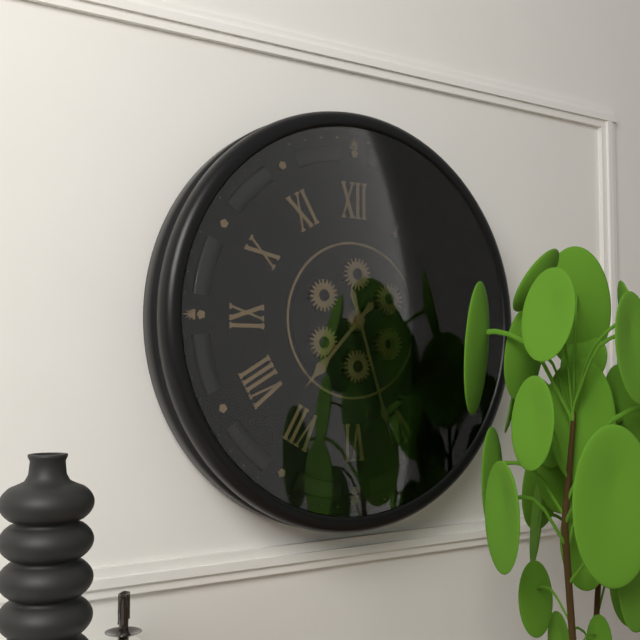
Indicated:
7,27
